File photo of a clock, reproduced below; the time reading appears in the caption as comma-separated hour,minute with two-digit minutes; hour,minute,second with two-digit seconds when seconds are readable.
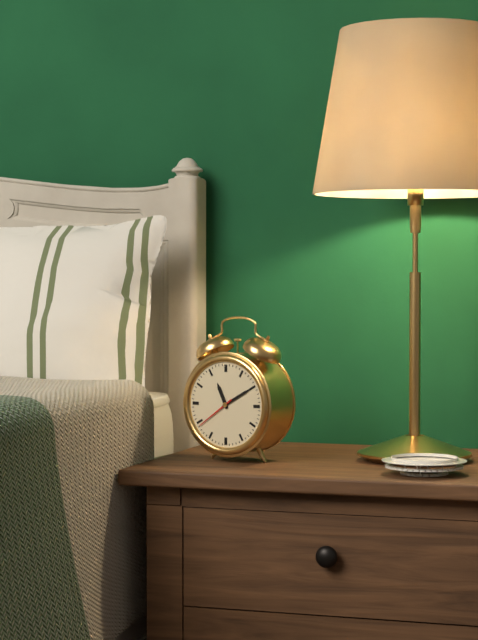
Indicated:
11,10
